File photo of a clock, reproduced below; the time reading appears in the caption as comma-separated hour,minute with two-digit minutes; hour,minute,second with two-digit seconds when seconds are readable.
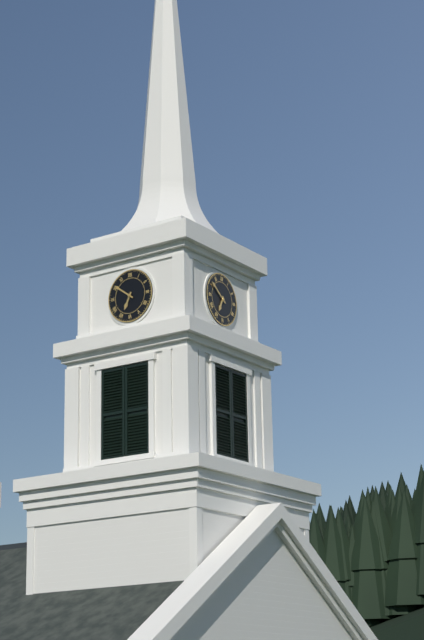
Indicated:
6,51
